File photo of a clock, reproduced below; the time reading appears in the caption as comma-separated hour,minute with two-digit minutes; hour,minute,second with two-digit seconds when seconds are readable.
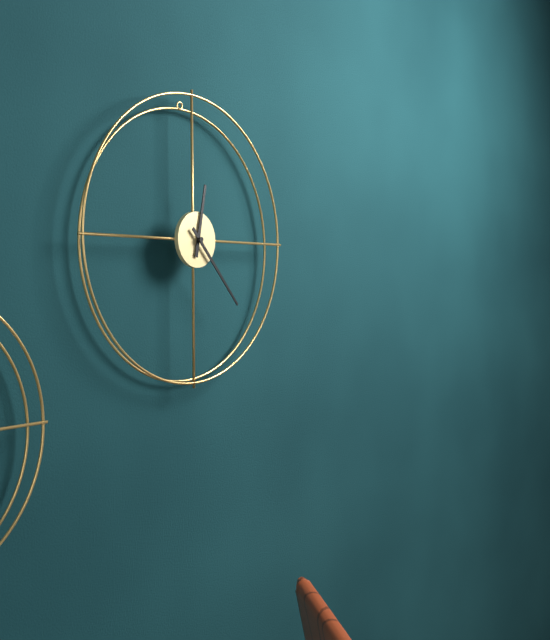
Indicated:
12,23
